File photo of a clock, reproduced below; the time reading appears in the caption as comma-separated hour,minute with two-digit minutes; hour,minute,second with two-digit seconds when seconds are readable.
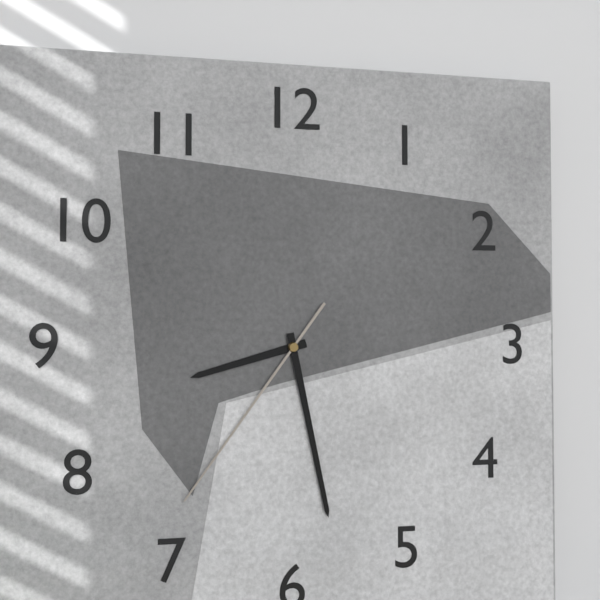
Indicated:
8,28,36
